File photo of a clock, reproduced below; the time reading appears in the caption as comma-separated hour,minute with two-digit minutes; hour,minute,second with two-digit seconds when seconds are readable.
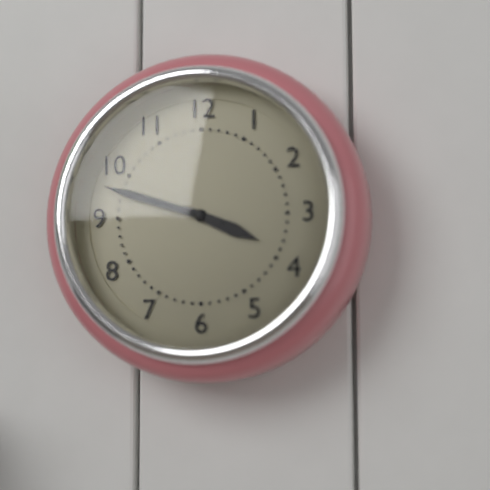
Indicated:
3,48
